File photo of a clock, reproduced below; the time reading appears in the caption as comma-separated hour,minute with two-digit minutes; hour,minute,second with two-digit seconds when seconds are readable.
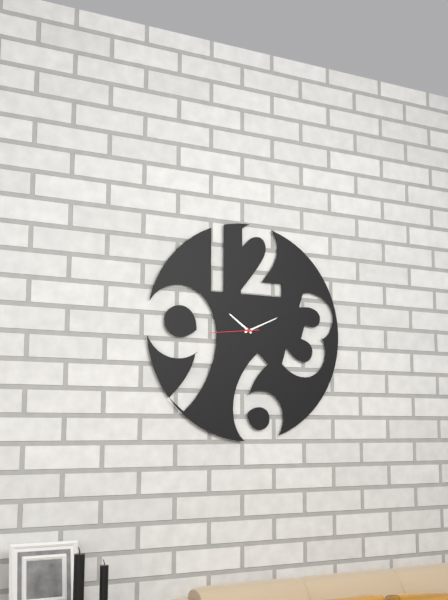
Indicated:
10,11
